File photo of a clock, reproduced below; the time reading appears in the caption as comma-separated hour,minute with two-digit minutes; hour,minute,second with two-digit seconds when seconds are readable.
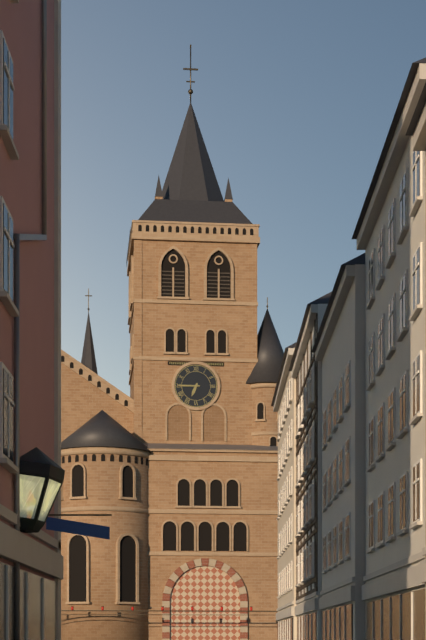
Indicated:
6,45
